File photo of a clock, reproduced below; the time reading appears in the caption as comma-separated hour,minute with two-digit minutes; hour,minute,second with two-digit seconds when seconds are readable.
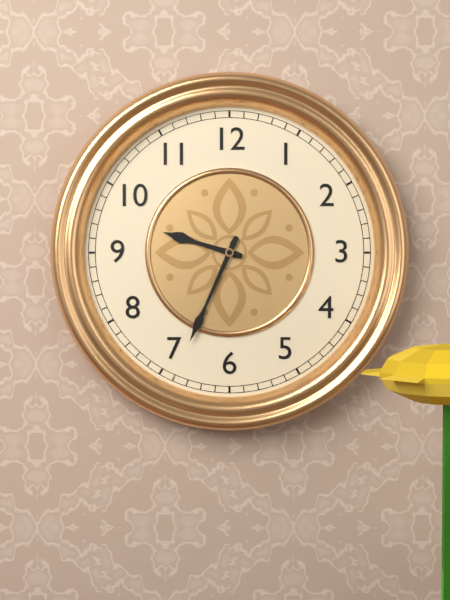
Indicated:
9,34
